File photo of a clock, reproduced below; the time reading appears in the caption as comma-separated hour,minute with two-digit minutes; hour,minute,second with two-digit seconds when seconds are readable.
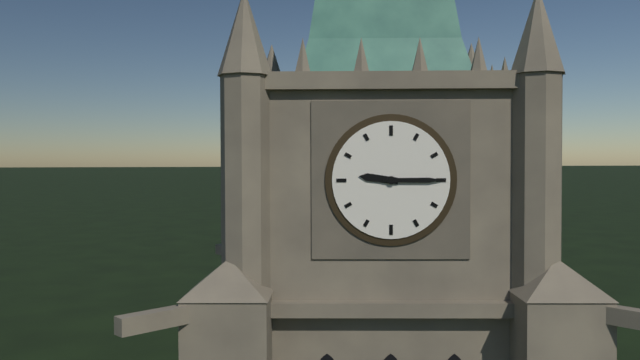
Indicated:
9,15
